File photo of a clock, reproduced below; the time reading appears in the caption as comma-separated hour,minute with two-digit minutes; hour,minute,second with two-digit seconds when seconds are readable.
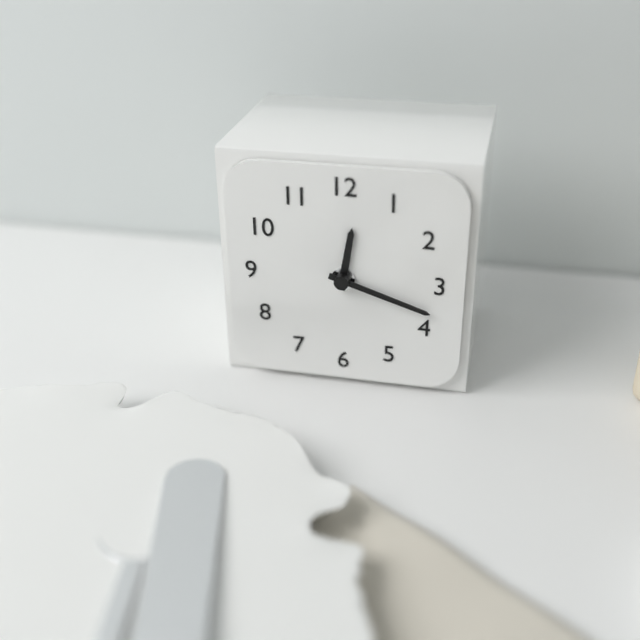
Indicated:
12,18
